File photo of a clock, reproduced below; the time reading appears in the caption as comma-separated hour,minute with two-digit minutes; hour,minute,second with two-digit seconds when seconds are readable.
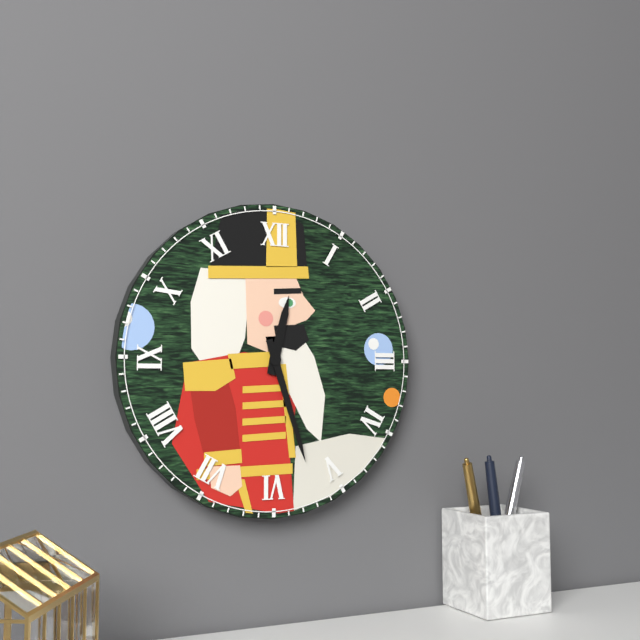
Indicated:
12,27
